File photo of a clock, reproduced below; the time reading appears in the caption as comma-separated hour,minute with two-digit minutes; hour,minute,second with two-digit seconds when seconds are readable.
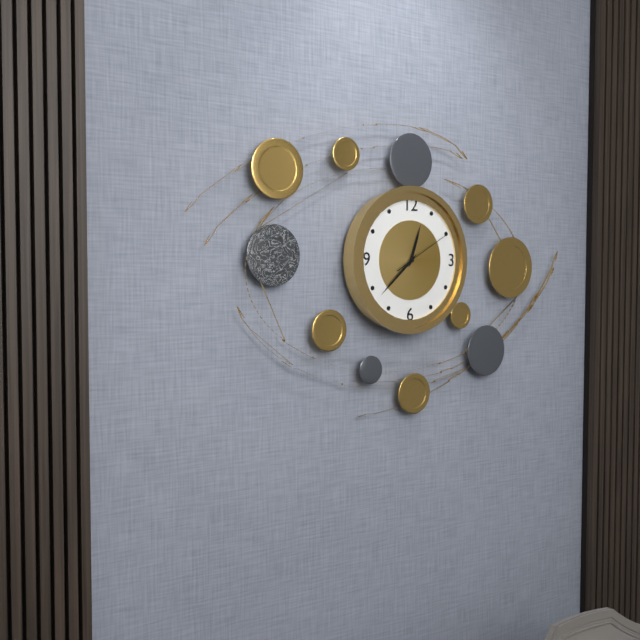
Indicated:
12,38,10
